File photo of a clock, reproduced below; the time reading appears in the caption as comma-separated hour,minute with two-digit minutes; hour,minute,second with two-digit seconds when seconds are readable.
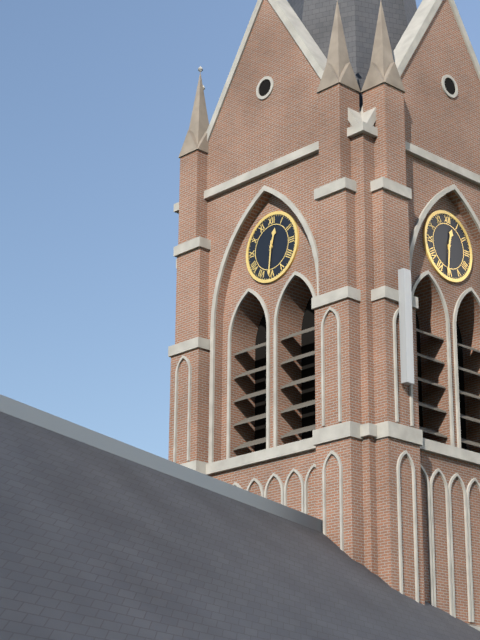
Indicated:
12,31
